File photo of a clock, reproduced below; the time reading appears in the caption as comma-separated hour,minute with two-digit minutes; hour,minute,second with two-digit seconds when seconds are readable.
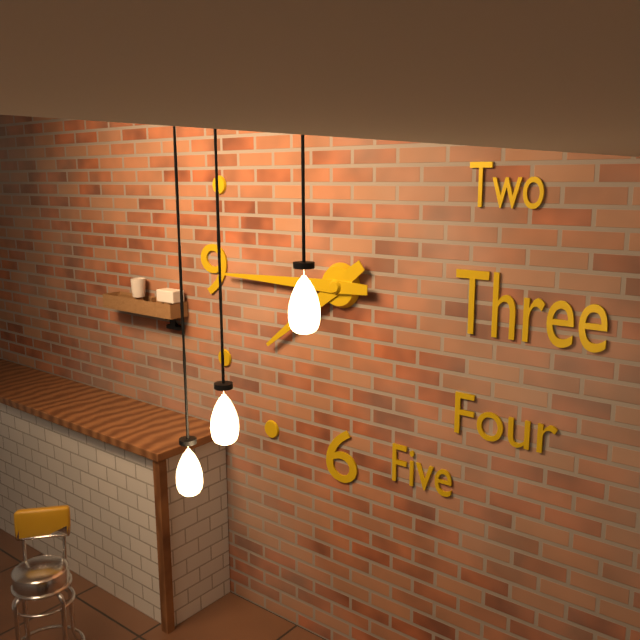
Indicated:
7,45
